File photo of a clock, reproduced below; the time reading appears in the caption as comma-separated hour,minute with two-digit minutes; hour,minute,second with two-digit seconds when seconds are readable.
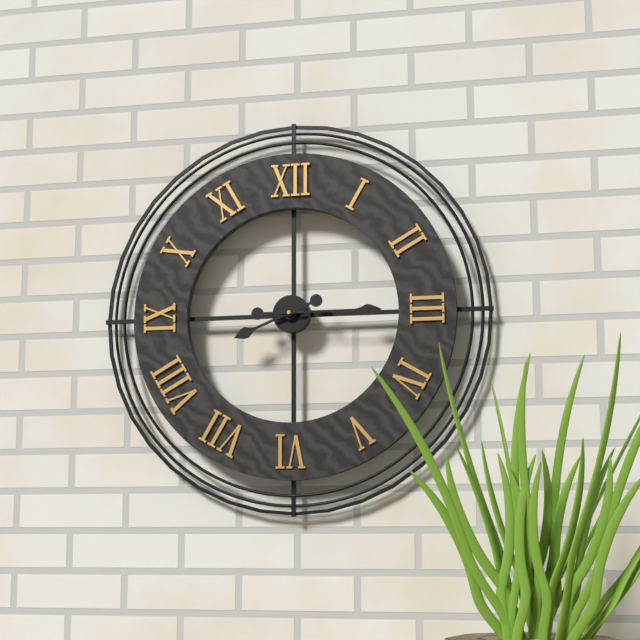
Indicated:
8,15
